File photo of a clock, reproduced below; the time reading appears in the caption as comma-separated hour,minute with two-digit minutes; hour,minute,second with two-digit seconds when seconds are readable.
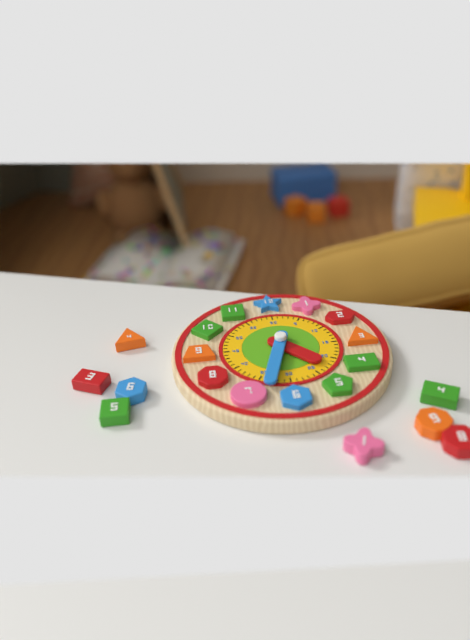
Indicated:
4,33
